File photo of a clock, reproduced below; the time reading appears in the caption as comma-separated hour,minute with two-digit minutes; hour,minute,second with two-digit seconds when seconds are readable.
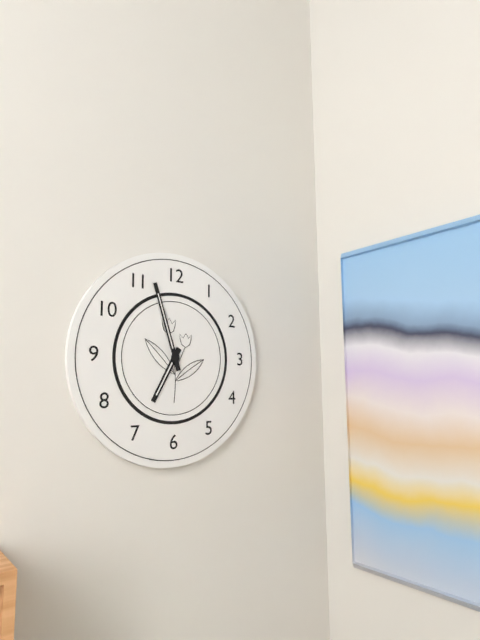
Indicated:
6,57
